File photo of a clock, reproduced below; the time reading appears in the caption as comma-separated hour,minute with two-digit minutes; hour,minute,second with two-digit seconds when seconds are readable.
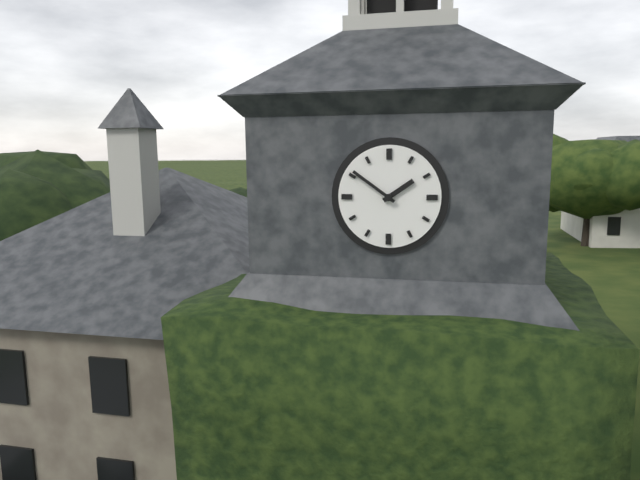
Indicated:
1,51
